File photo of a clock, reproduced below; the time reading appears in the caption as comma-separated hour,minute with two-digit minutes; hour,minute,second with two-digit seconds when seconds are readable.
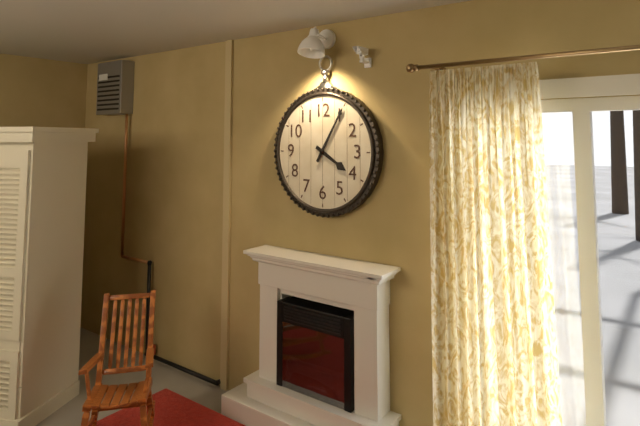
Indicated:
4,05
